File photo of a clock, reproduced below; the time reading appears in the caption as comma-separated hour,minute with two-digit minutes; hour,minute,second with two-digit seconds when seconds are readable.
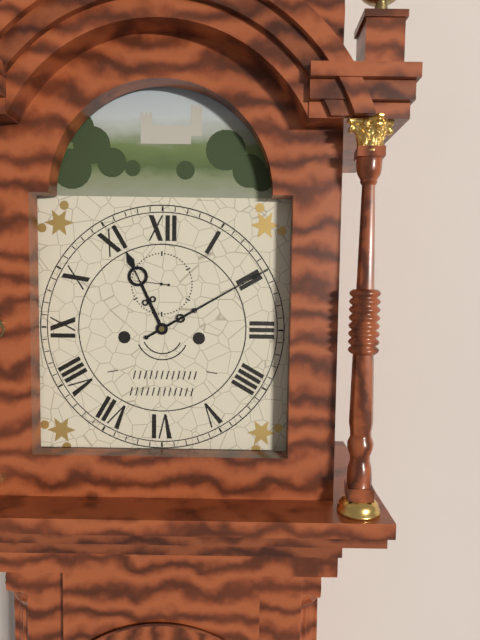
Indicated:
11,10
